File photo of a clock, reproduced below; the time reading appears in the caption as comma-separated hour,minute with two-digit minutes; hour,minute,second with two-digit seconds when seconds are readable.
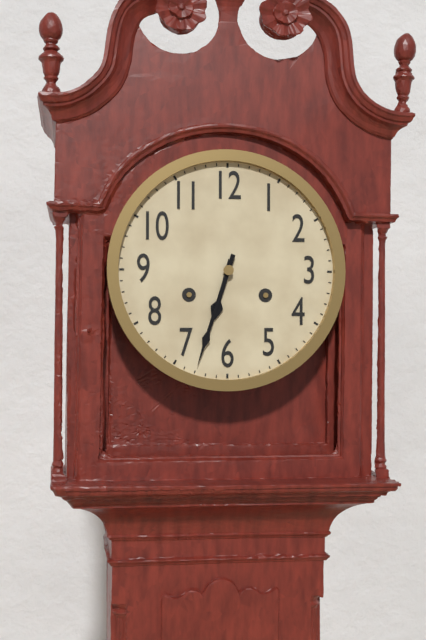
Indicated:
6,33
